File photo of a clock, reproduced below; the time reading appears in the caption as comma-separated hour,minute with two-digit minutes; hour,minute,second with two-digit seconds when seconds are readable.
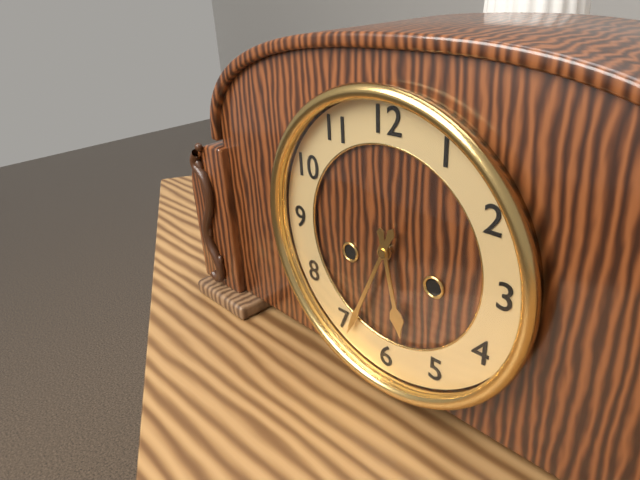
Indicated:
5,34
